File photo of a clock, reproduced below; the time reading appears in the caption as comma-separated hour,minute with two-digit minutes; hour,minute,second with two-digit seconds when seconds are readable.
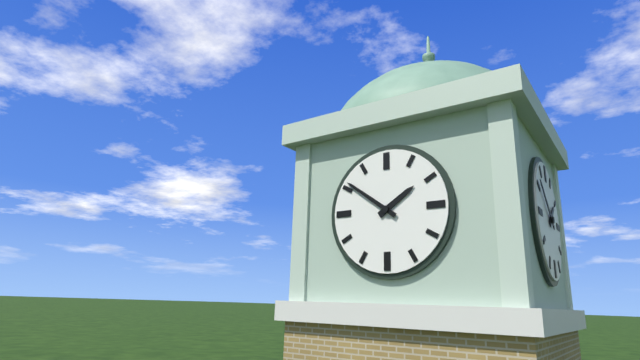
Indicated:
1,51
